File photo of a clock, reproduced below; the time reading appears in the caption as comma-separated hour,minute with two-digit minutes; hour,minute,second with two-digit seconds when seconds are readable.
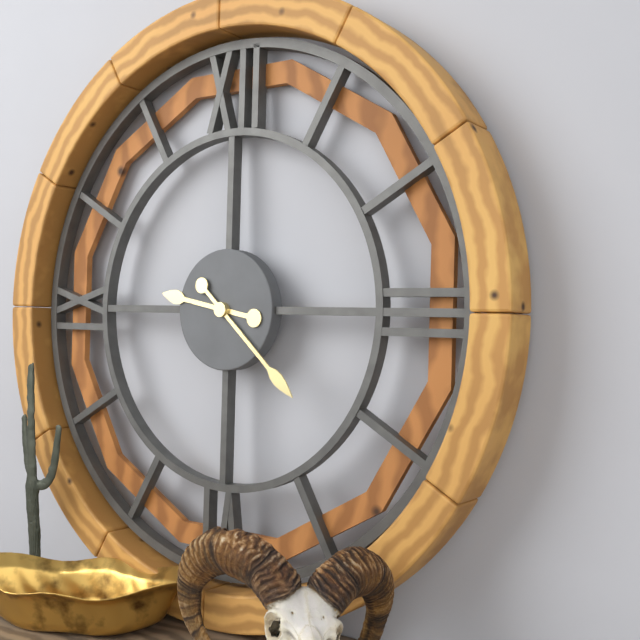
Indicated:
9,22
